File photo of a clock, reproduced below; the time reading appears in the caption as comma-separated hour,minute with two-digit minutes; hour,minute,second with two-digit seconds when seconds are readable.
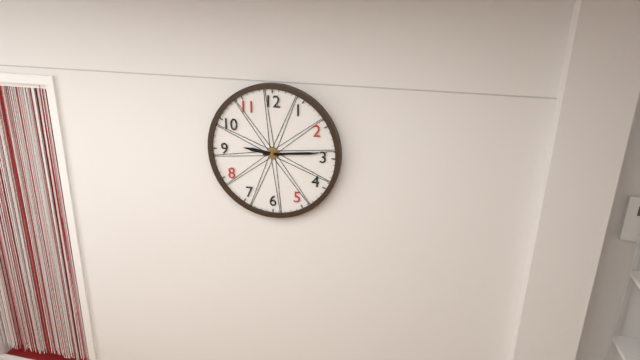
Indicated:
9,14
